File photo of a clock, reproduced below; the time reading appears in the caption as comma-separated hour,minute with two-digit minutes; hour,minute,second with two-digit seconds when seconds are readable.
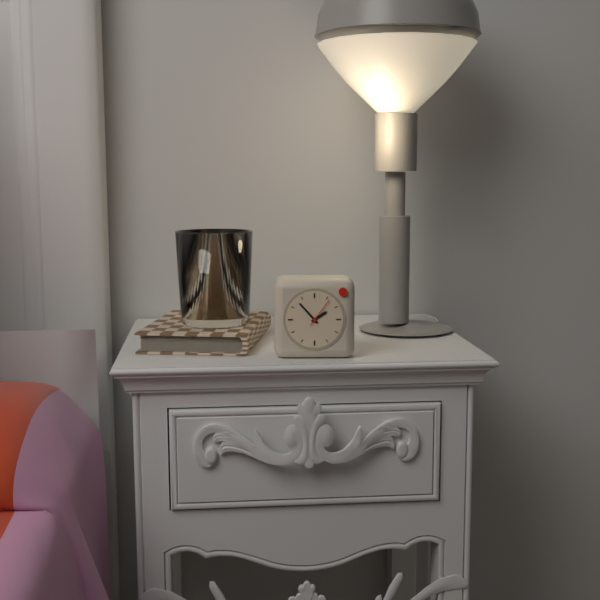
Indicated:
1,53
